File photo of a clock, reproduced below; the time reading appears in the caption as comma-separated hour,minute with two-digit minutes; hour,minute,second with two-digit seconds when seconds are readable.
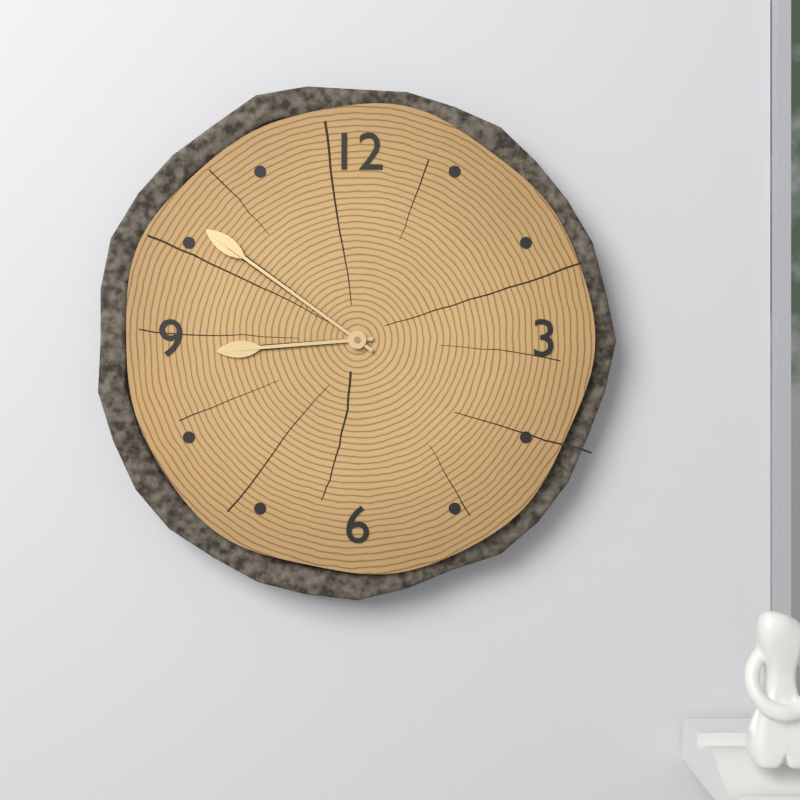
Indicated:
8,51
